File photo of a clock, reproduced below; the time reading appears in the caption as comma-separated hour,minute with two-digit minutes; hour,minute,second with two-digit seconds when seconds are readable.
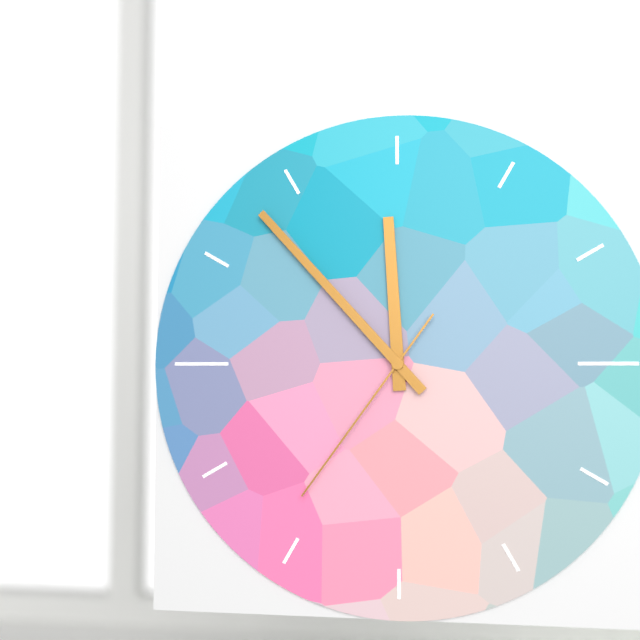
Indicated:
11,53,36
